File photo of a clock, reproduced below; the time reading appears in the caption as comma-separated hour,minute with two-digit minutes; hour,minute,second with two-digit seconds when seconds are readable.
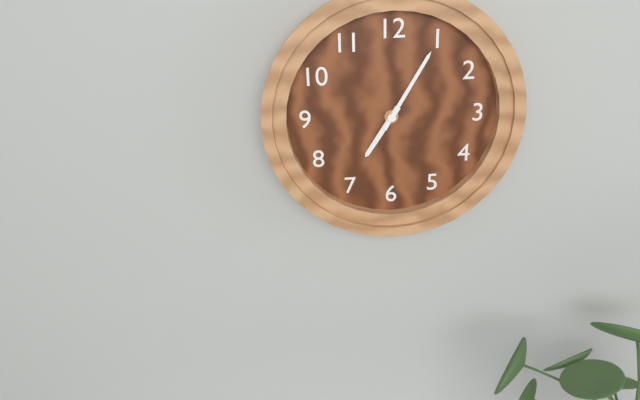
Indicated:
7,05
